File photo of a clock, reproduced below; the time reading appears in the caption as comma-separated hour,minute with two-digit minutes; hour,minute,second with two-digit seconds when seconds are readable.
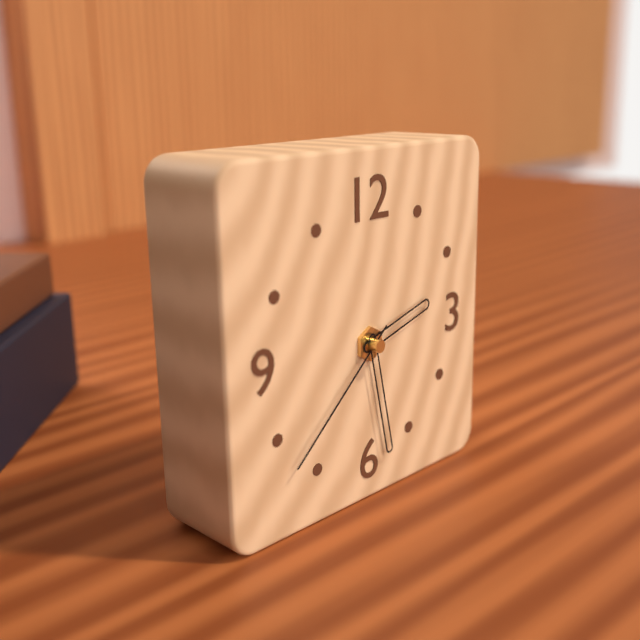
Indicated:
2,28,38
